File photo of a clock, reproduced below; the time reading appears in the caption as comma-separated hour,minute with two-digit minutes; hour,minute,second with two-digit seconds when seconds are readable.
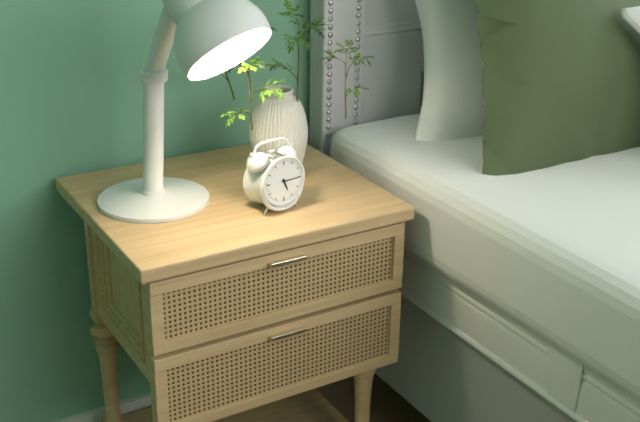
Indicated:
5,15
